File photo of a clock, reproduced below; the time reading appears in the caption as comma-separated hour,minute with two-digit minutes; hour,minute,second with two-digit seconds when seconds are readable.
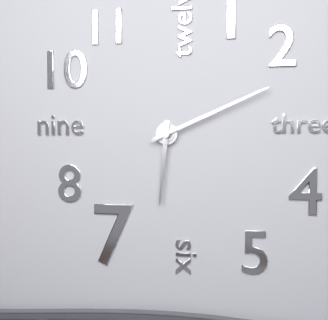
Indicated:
6,11
